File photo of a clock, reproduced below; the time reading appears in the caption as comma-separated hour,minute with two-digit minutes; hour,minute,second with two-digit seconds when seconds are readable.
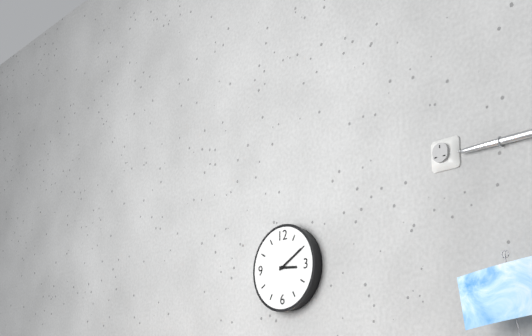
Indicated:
3,10
